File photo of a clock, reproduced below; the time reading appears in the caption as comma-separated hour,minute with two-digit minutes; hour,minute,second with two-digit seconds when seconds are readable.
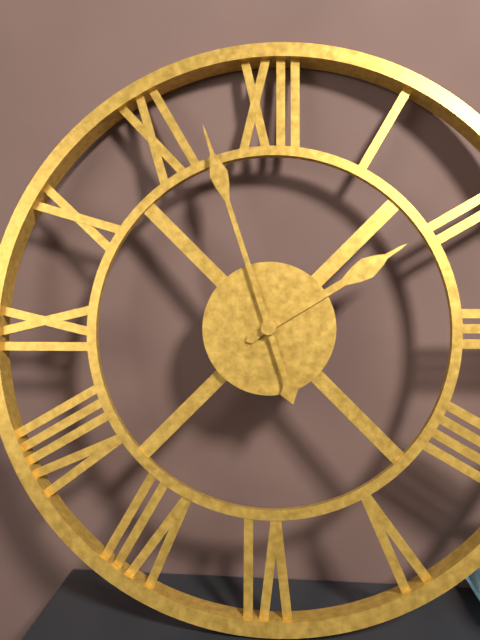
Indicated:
1,57
